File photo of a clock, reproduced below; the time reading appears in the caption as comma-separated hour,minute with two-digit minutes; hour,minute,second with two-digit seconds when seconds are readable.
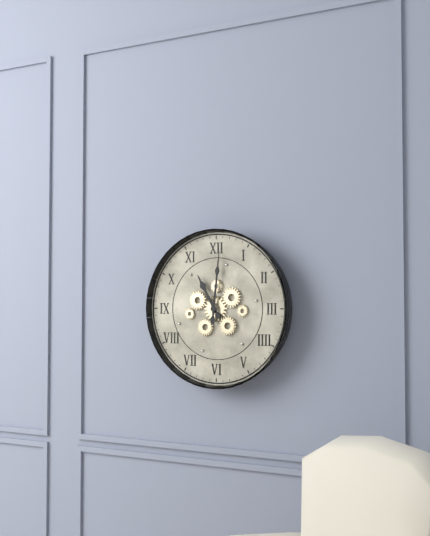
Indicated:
11,01
